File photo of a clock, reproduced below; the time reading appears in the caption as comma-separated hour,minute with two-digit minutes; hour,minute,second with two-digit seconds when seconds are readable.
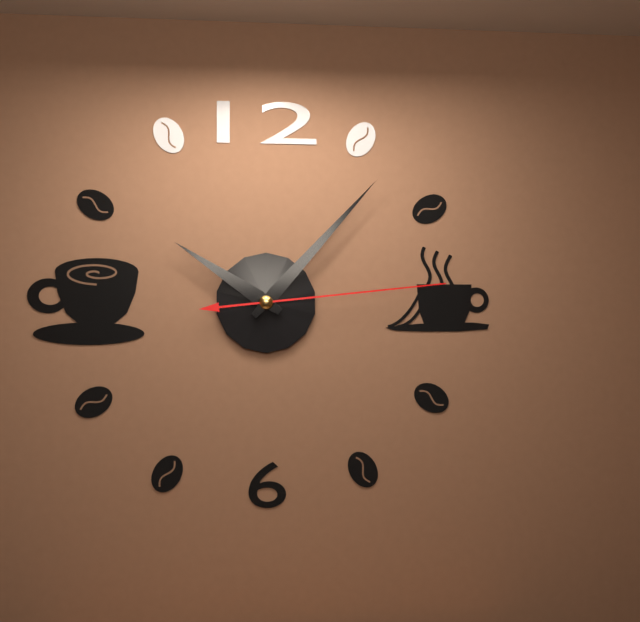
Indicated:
10,07,14
